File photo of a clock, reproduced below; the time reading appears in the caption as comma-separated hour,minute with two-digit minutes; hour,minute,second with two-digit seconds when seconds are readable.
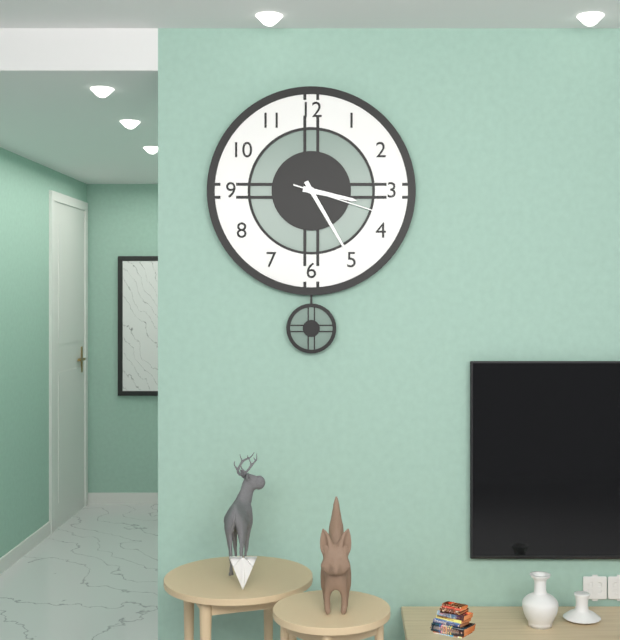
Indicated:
3,25,18
